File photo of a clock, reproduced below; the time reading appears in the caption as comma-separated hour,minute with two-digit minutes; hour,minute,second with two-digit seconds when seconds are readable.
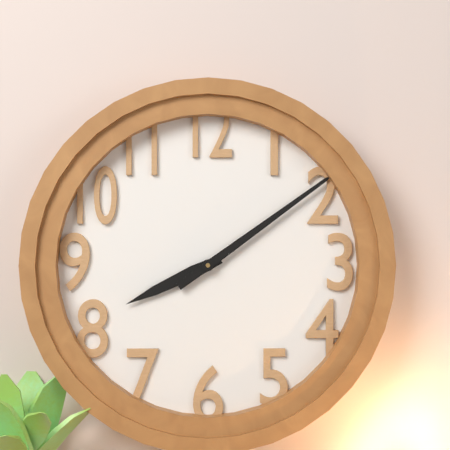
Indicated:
8,09
